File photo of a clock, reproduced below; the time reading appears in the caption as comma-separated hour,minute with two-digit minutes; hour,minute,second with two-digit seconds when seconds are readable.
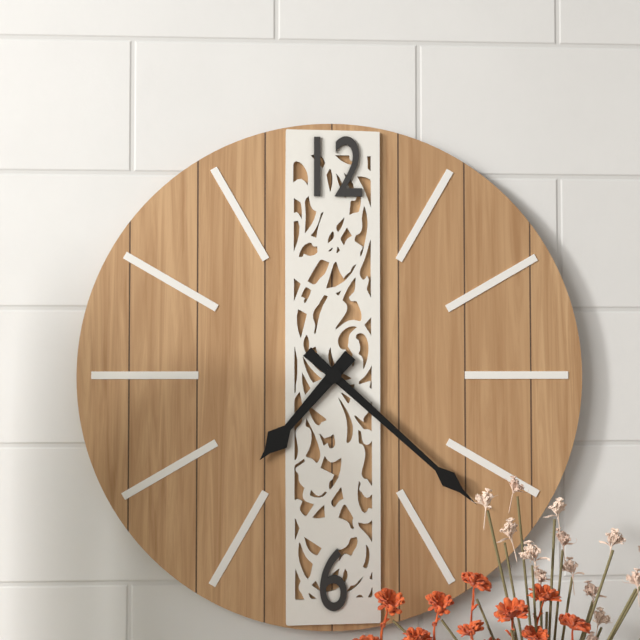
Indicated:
7,22
